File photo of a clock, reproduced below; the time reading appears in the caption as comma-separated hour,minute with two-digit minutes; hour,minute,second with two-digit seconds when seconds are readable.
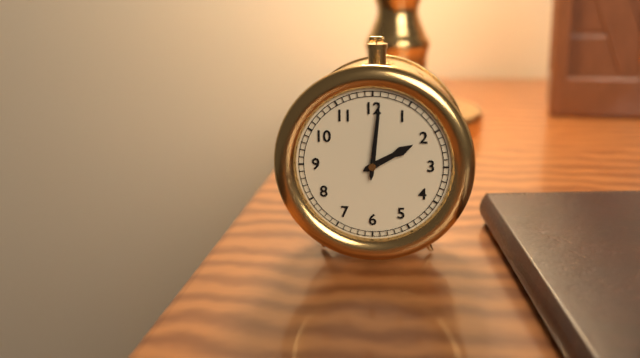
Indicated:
2,01
